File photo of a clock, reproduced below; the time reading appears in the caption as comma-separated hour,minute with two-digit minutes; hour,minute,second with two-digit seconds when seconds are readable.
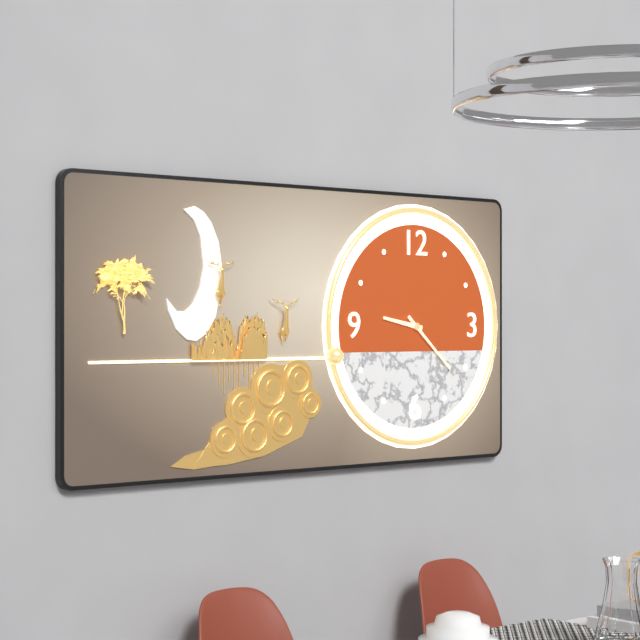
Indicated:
9,22
